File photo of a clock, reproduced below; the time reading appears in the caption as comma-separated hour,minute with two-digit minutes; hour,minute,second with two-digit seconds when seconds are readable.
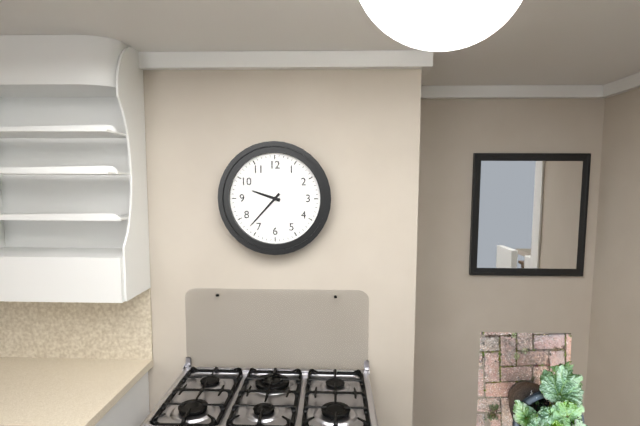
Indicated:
9,37
